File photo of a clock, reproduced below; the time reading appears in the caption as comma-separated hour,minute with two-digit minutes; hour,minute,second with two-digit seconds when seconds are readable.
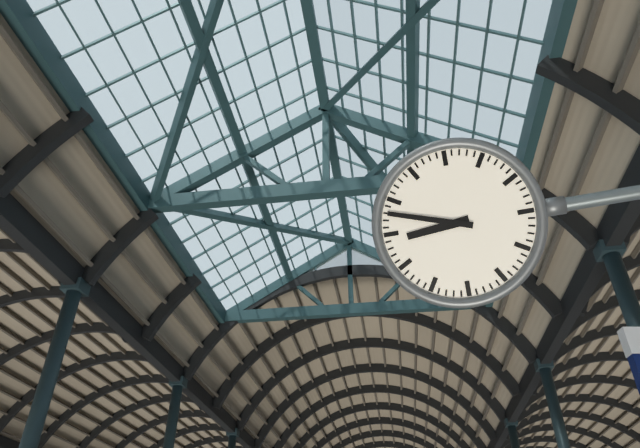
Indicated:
8,48
